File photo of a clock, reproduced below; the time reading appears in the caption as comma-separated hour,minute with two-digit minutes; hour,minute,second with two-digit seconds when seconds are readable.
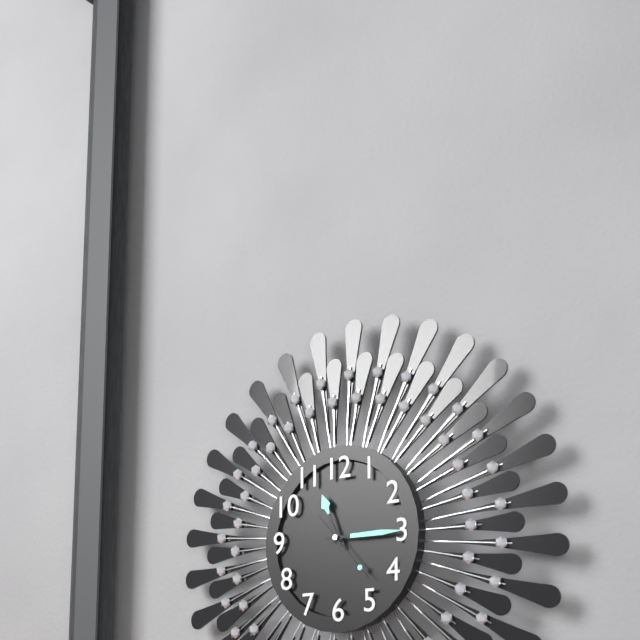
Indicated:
11,15,23
